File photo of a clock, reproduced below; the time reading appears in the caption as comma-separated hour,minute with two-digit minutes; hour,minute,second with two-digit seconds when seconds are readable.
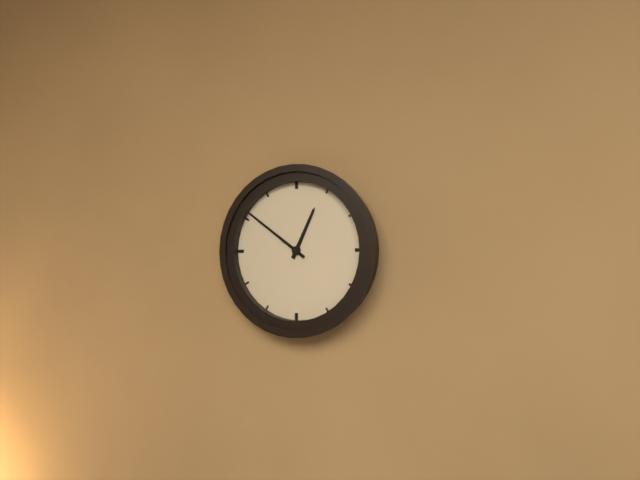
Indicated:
12,51
